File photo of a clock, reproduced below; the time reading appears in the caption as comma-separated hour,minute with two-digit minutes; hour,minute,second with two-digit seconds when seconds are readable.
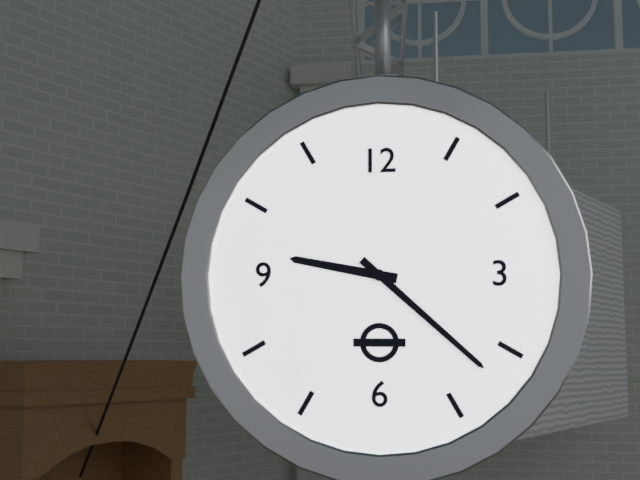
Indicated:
9,22
